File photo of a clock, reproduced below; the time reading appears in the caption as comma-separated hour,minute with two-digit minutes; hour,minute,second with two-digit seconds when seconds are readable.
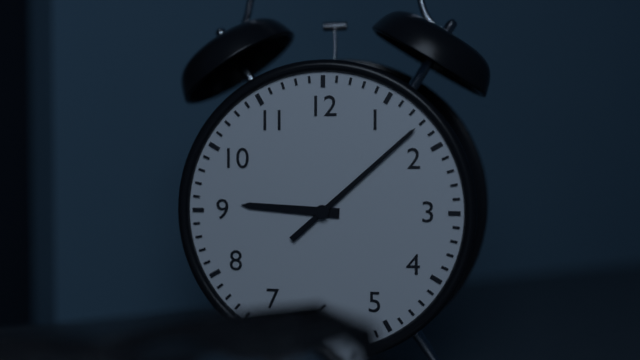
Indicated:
9,08
